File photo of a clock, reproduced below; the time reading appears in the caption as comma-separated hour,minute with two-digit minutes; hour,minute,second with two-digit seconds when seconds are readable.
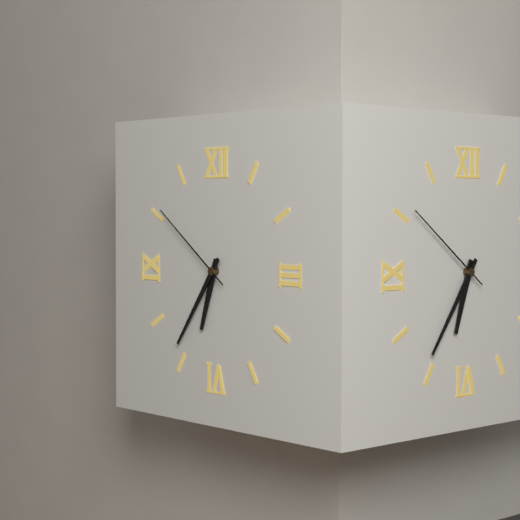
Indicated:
6,36,51
